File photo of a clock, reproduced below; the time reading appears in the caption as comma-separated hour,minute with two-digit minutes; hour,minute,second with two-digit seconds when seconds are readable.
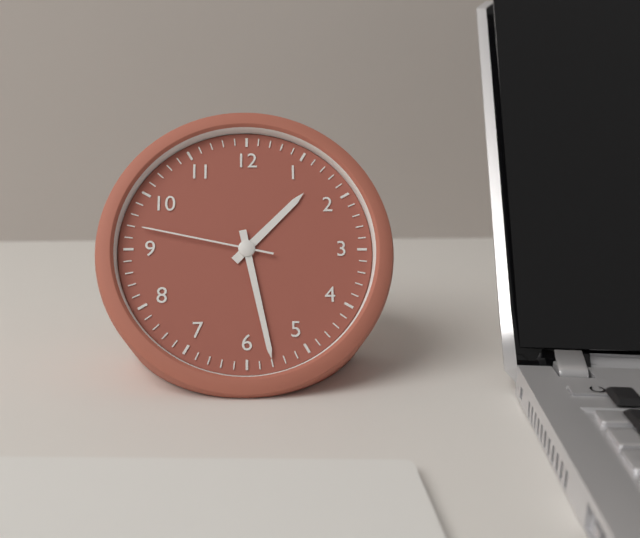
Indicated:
1,28,47
